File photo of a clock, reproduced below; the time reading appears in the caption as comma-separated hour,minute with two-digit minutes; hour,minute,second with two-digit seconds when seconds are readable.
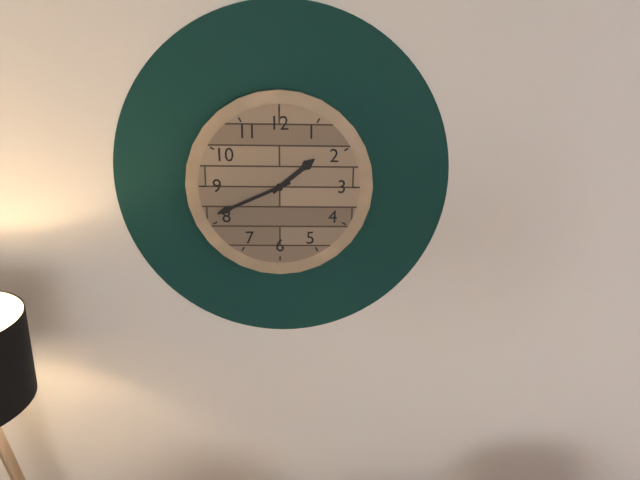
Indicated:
1,41
